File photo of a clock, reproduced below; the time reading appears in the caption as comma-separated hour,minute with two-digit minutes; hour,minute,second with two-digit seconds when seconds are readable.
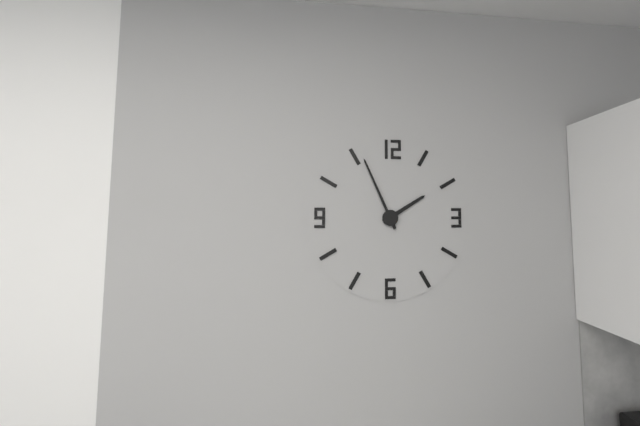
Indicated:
1,56
